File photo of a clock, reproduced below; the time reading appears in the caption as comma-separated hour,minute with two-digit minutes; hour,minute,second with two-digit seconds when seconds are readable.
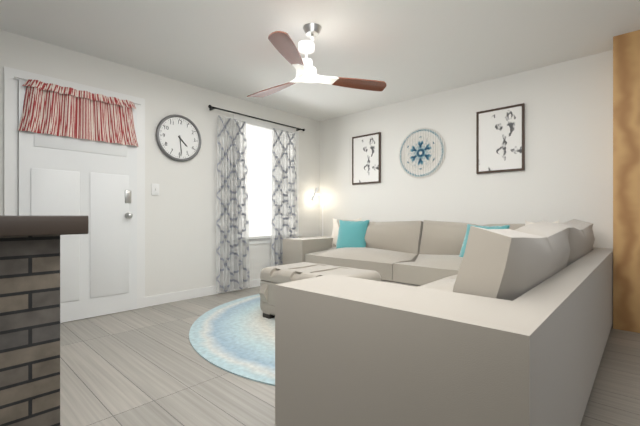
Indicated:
4,29
